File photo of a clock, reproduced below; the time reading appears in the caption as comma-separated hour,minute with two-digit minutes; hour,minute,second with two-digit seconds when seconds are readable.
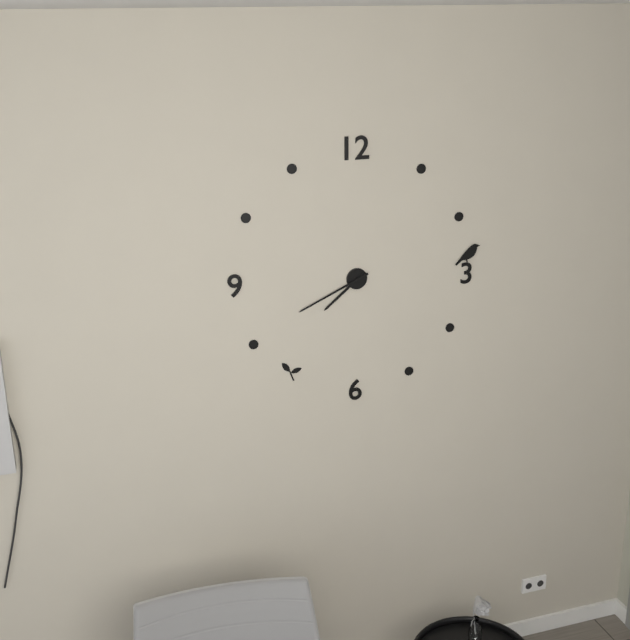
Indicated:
7,41
